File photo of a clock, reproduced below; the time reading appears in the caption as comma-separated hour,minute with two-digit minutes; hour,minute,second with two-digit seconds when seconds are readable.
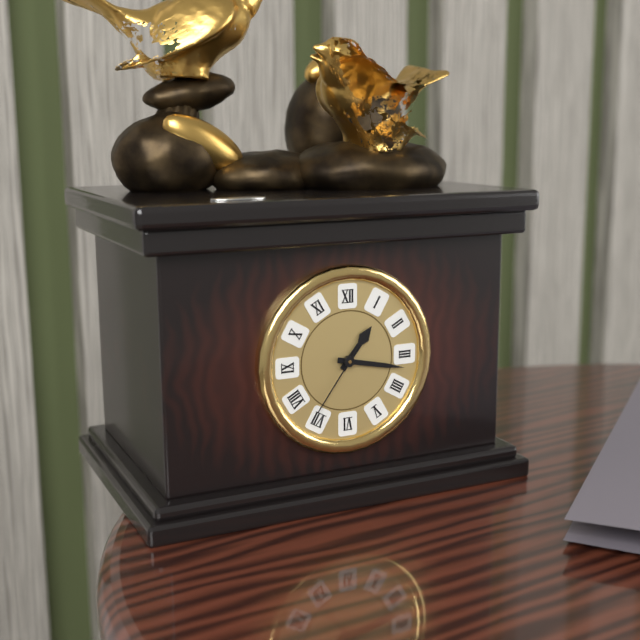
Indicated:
1,17,36
